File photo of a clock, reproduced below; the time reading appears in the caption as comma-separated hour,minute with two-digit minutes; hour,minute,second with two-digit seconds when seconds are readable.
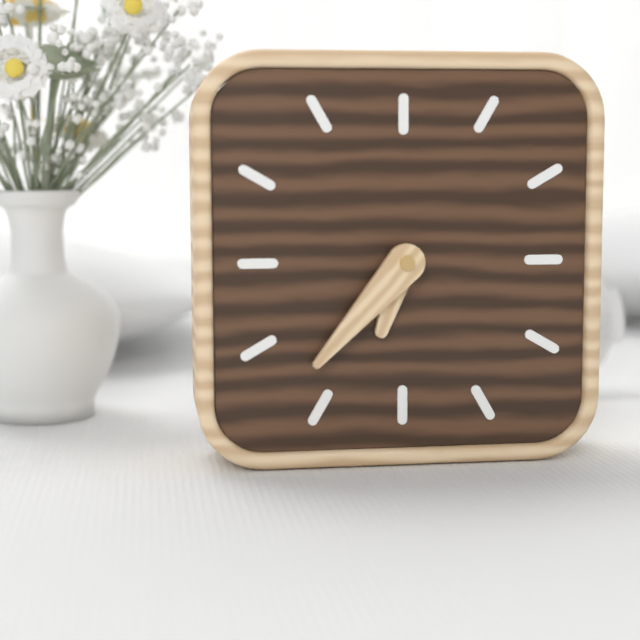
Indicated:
6,37
